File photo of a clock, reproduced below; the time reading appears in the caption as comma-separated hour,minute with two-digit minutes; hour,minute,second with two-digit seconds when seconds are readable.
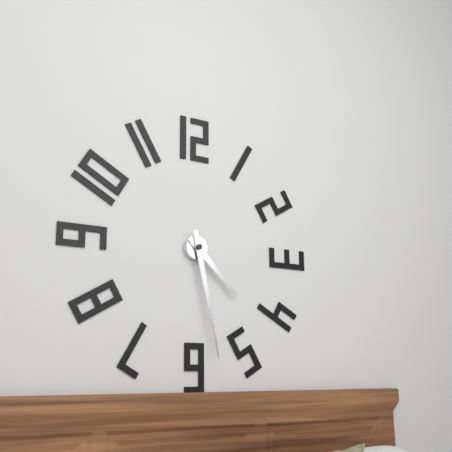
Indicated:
4,28
